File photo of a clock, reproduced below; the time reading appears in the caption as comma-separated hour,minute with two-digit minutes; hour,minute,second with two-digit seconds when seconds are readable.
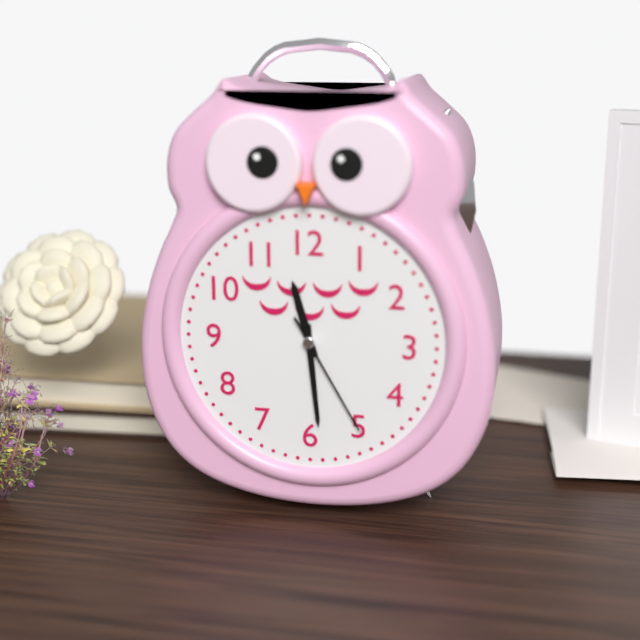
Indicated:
11,29,25
